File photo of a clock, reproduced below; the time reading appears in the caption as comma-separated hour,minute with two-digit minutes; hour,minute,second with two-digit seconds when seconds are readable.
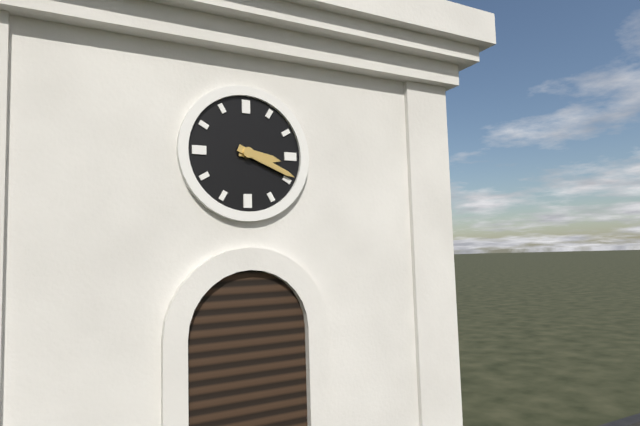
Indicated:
3,19
